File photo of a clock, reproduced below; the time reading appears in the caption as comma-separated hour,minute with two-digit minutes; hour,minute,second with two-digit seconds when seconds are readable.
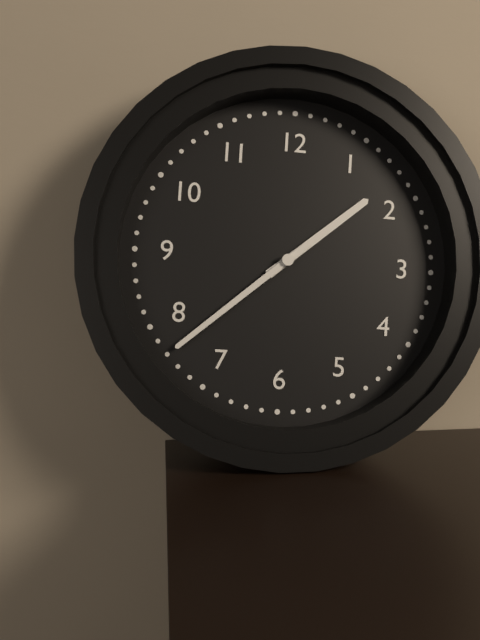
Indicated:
1,38
